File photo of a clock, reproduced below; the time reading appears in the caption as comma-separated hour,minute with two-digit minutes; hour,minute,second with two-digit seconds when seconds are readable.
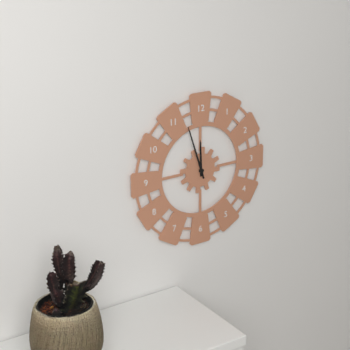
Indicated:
11,57
